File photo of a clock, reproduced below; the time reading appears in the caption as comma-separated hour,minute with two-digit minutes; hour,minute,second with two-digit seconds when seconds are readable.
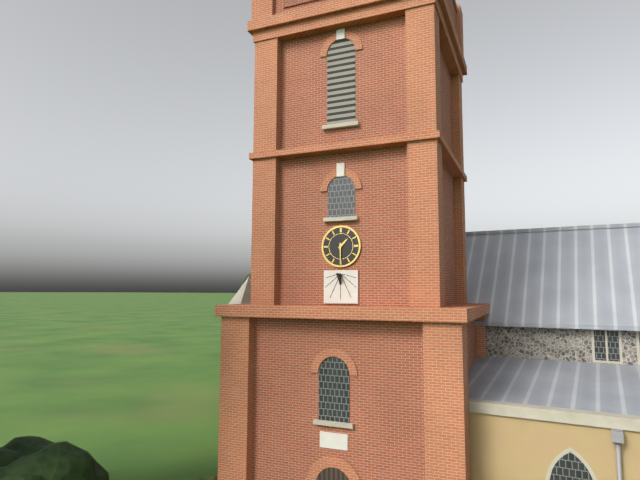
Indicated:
1,30
